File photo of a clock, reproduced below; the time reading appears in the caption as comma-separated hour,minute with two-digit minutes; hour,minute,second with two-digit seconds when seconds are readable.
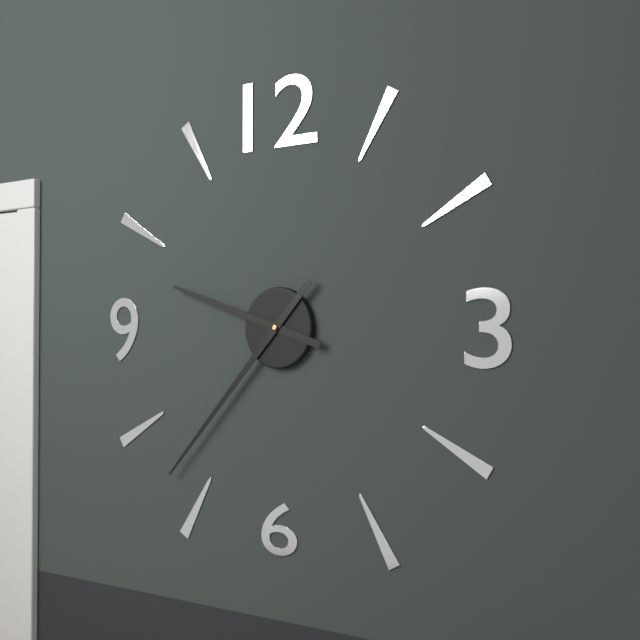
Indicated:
9,37
